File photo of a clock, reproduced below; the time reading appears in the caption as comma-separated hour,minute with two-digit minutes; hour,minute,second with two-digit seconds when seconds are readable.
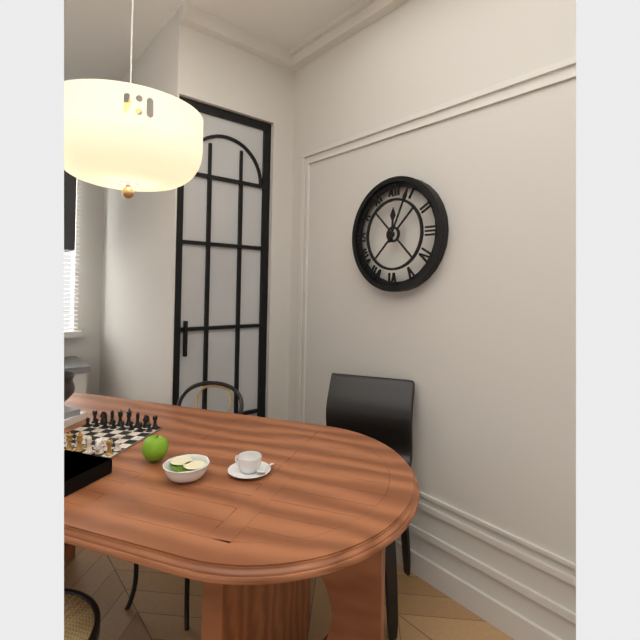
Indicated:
12,04
